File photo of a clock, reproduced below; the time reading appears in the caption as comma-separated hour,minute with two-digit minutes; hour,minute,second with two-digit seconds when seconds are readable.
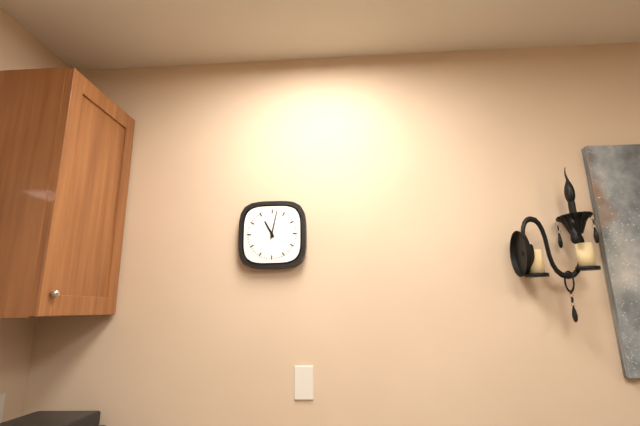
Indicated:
11,02
